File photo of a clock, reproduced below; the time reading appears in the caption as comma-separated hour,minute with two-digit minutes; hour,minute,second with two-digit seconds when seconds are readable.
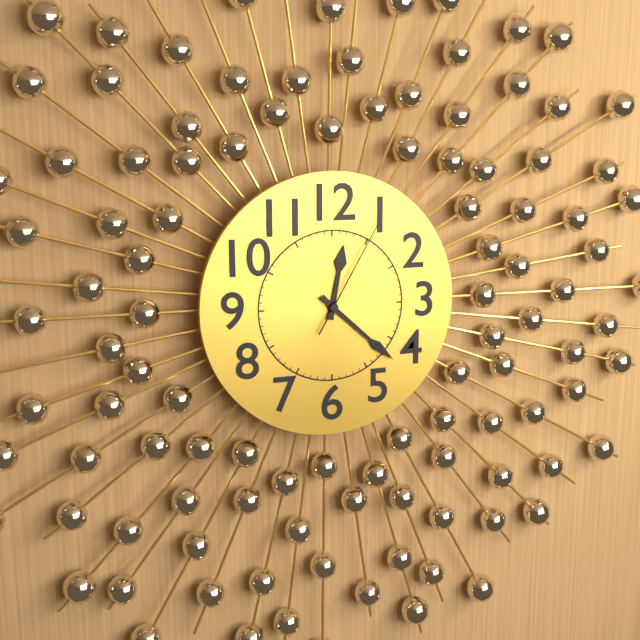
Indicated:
12,22,05
